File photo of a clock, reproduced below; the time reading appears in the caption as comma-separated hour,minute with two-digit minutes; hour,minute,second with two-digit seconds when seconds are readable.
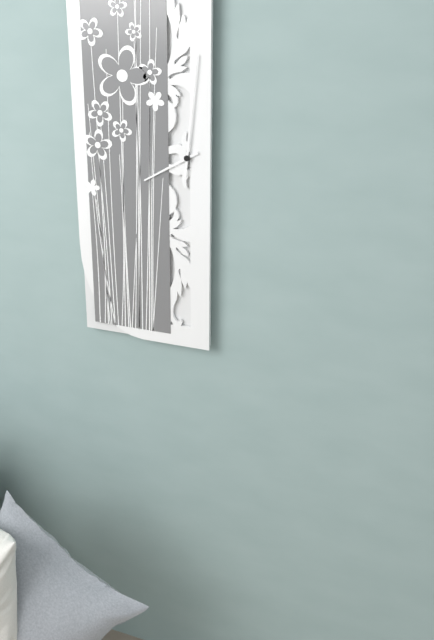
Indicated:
8,01
